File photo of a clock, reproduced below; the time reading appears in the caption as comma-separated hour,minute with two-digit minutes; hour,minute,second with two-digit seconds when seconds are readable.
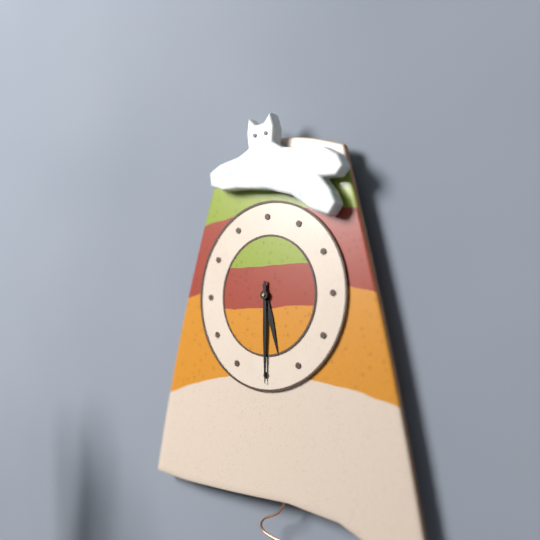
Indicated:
5,30
